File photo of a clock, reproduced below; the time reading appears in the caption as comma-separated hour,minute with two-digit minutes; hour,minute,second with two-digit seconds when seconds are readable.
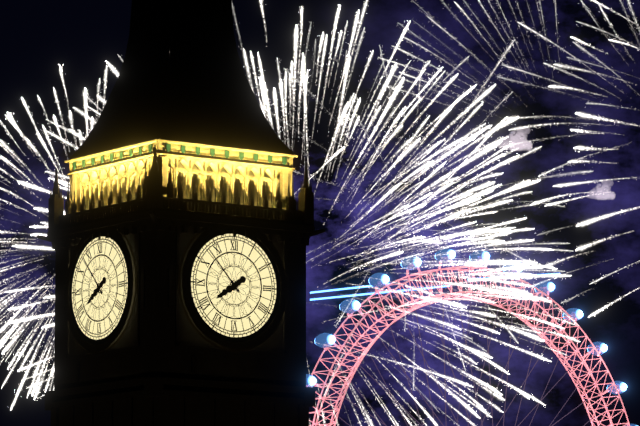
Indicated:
7,53
